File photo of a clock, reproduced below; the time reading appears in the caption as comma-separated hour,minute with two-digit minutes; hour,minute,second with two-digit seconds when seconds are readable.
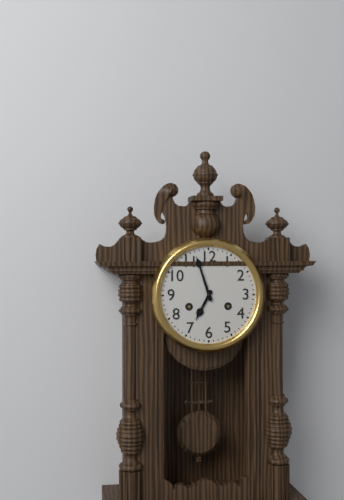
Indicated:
6,57
